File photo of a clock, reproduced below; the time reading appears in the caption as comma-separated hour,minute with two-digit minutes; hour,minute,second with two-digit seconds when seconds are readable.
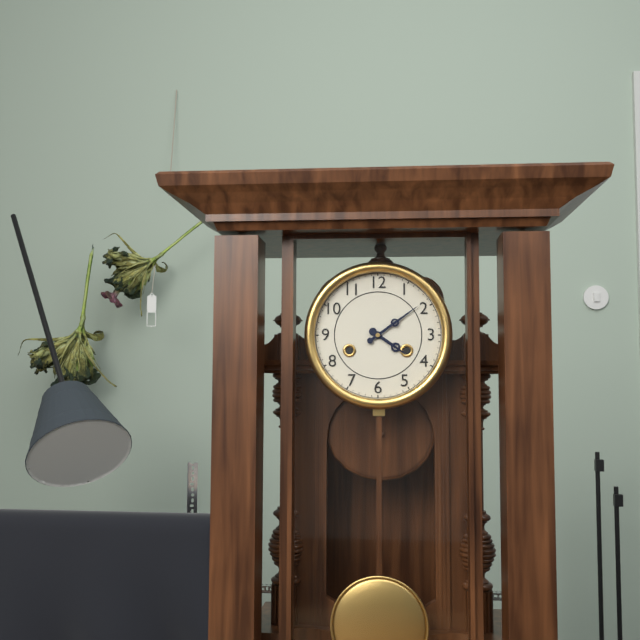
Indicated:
4,09
